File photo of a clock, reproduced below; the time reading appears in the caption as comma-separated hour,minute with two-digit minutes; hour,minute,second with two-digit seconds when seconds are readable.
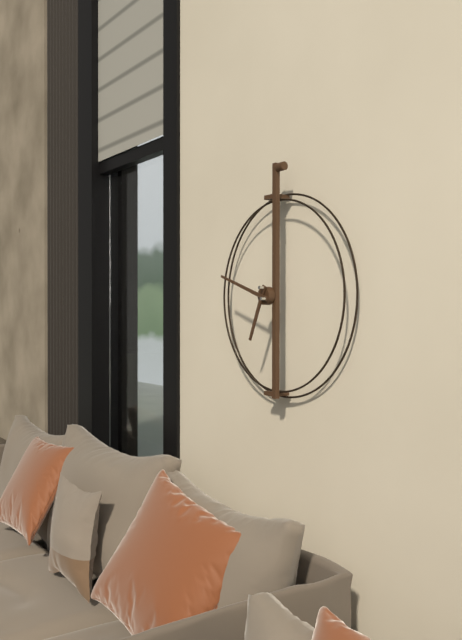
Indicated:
6,48
